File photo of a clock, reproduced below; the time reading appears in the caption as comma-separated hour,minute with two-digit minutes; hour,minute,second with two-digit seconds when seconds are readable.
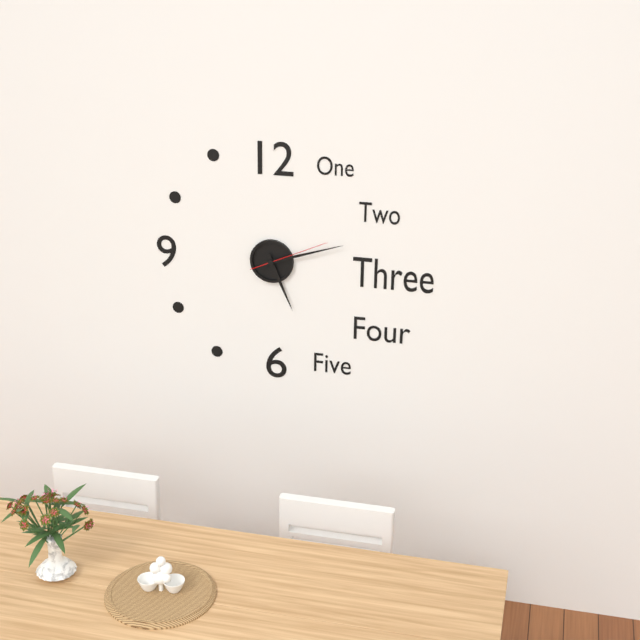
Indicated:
5,12,11
